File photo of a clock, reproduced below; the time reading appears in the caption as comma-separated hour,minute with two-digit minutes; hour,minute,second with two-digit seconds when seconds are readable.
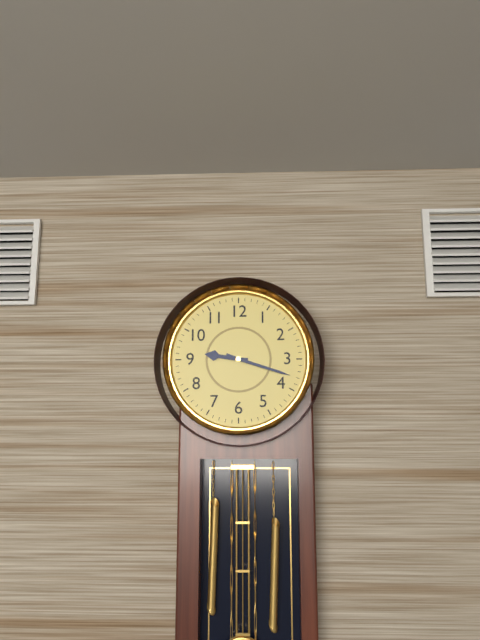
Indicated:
9,18
